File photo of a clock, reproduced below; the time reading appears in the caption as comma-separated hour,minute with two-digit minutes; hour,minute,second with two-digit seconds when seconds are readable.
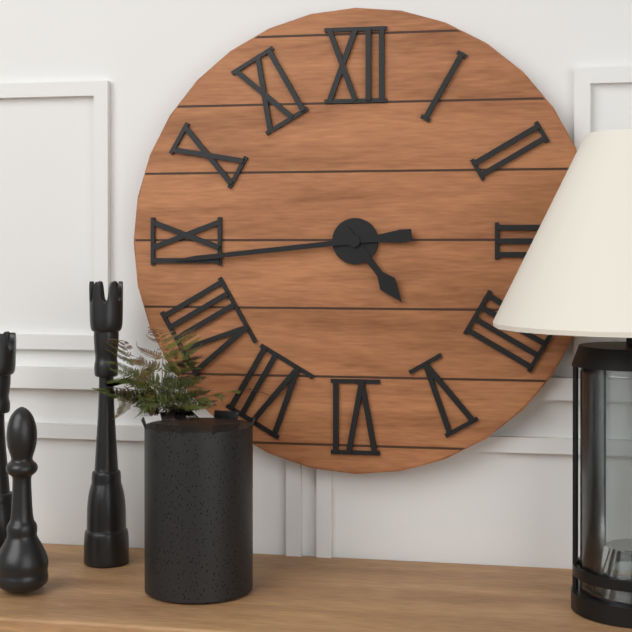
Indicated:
4,44
